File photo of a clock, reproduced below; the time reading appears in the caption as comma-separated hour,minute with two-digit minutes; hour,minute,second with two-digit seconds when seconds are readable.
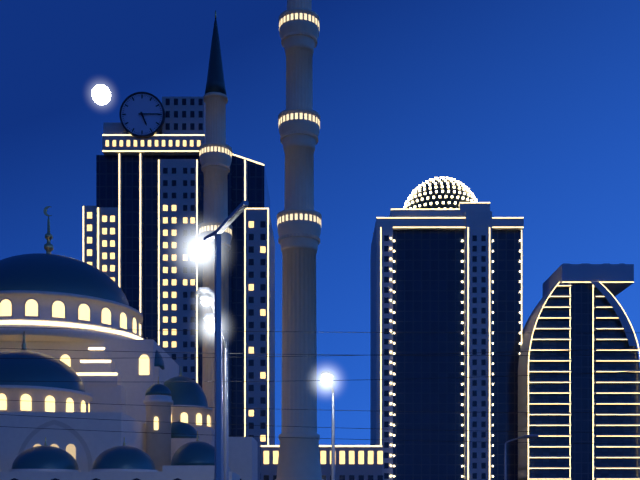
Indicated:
5,15
